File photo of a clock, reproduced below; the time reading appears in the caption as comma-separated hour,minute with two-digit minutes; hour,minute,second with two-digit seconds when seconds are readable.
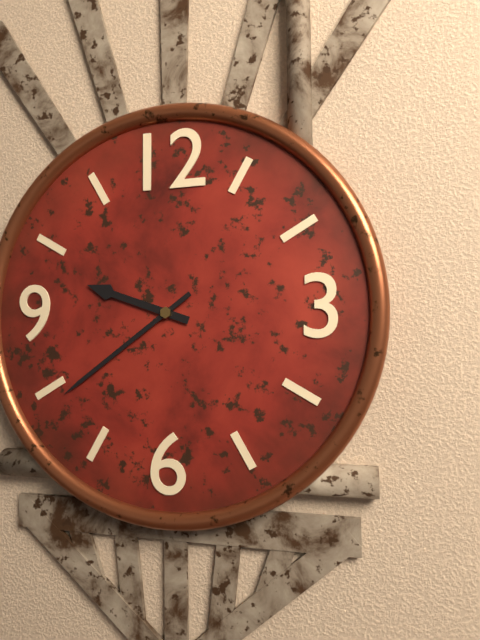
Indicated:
9,39
